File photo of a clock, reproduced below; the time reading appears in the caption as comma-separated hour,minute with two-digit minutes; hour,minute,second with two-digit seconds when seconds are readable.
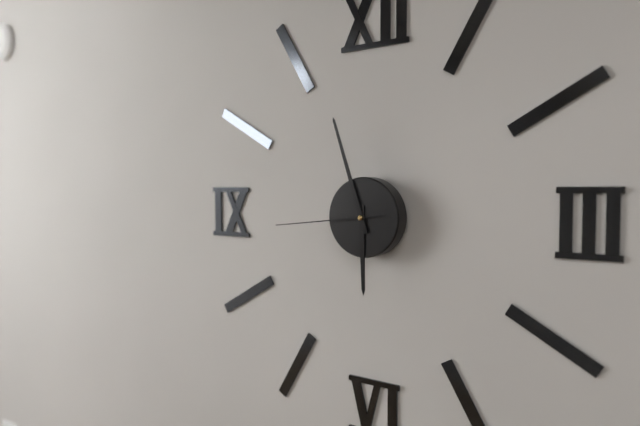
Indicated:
5,57,44
